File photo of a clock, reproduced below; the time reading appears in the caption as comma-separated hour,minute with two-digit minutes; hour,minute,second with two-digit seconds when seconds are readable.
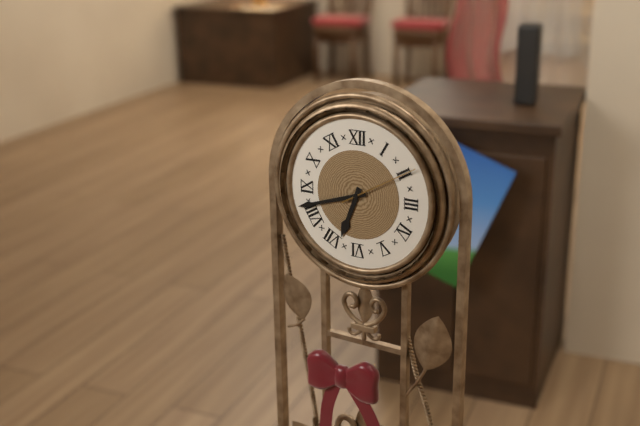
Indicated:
6,42,10
